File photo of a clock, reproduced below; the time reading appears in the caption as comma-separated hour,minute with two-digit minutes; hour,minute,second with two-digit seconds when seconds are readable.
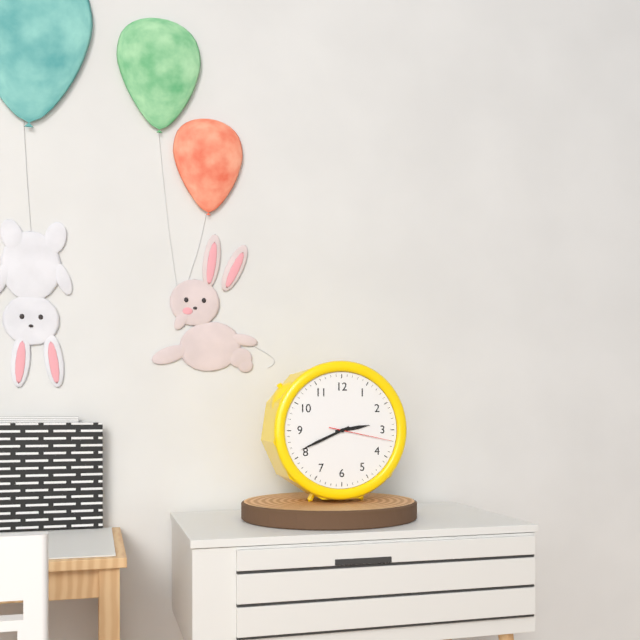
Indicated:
2,41,17
